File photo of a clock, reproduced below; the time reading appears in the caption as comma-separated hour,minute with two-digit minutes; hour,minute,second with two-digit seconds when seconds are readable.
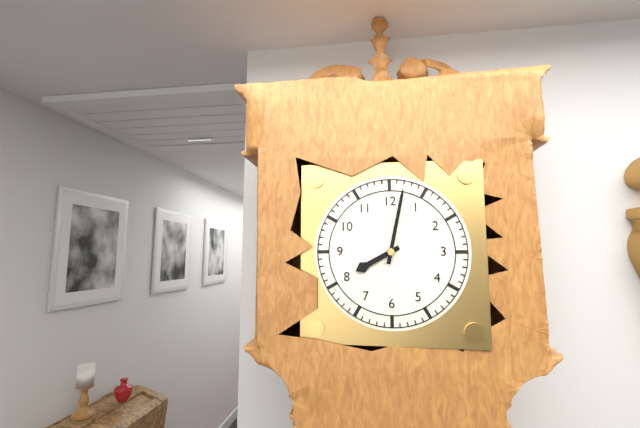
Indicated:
8,02
